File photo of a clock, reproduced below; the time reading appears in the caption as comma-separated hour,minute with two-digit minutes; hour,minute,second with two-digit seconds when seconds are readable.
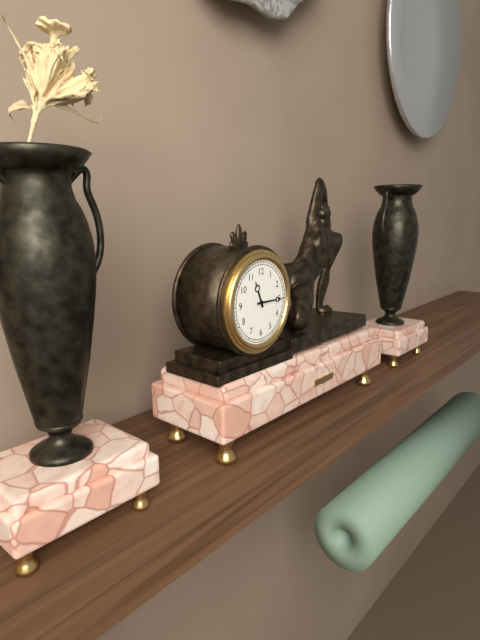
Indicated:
11,15
